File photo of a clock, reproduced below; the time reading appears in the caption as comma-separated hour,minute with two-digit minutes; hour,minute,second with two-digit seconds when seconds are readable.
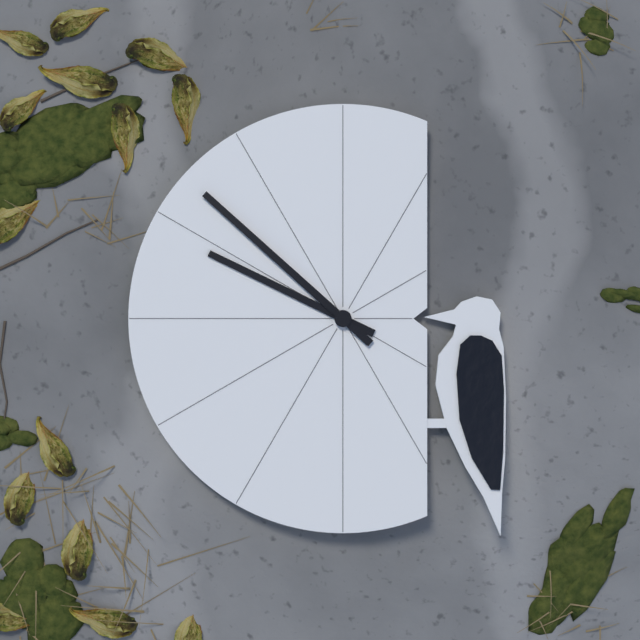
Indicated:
9,52
